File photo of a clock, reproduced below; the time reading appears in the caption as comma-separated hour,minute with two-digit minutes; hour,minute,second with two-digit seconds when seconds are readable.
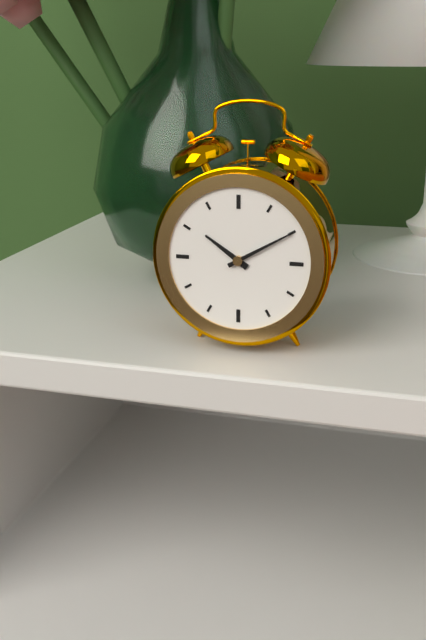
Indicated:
10,10
